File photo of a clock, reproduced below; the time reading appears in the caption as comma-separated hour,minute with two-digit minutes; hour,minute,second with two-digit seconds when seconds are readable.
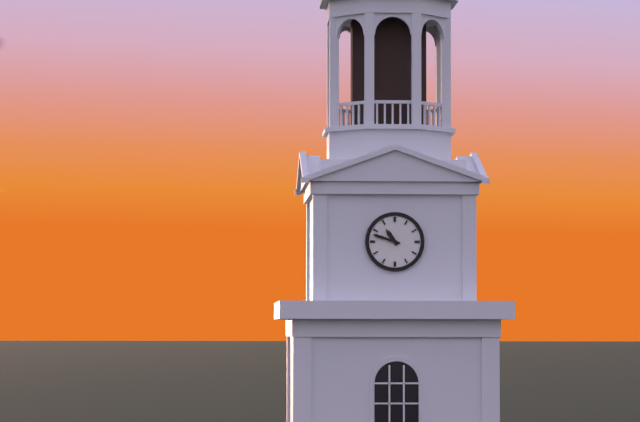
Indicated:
10,48
